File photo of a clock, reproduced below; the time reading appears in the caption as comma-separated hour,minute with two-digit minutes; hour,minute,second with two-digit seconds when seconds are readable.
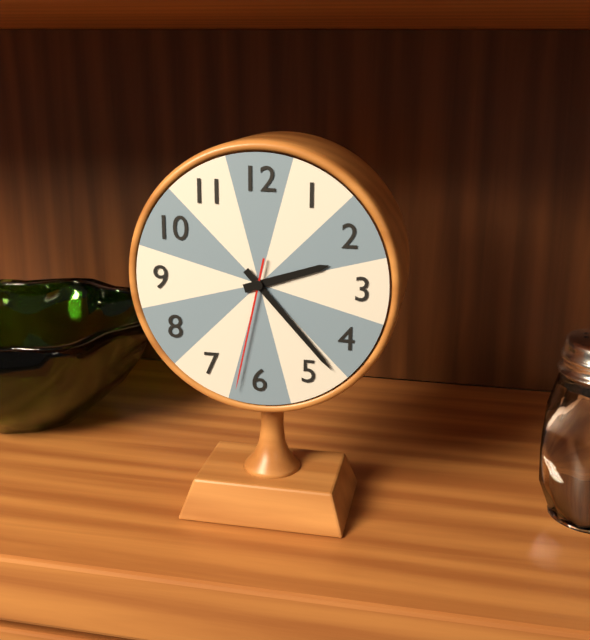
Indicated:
2,23,32
